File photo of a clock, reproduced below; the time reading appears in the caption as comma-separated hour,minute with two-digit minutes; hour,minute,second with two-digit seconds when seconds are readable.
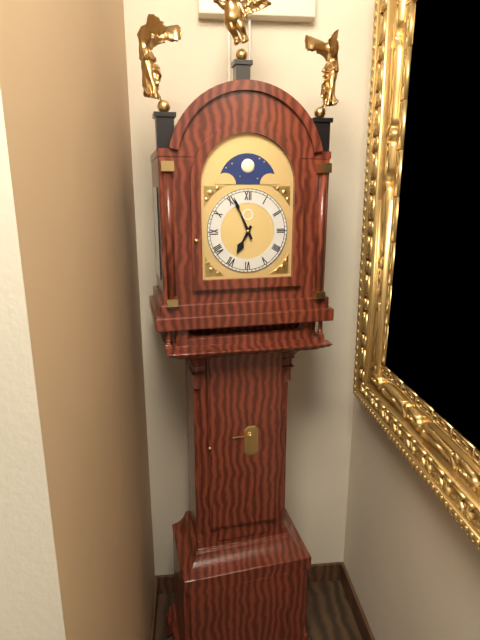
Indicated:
6,56
